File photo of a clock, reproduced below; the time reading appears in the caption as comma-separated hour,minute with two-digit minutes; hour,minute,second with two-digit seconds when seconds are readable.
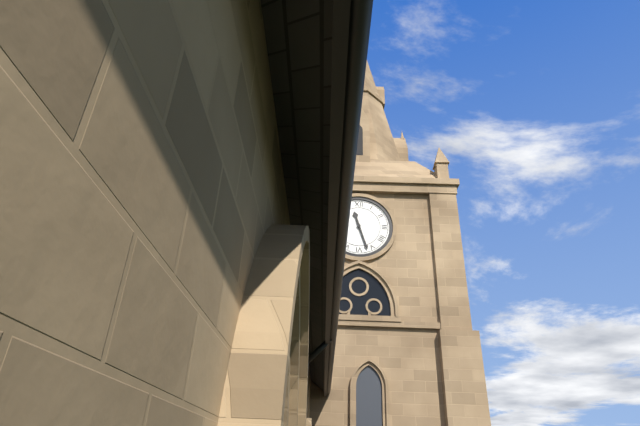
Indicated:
11,27
